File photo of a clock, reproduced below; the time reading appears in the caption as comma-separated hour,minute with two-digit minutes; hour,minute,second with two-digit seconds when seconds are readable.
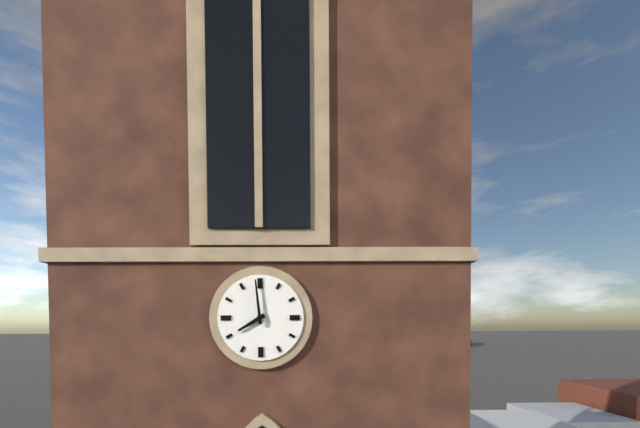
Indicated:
7,59
